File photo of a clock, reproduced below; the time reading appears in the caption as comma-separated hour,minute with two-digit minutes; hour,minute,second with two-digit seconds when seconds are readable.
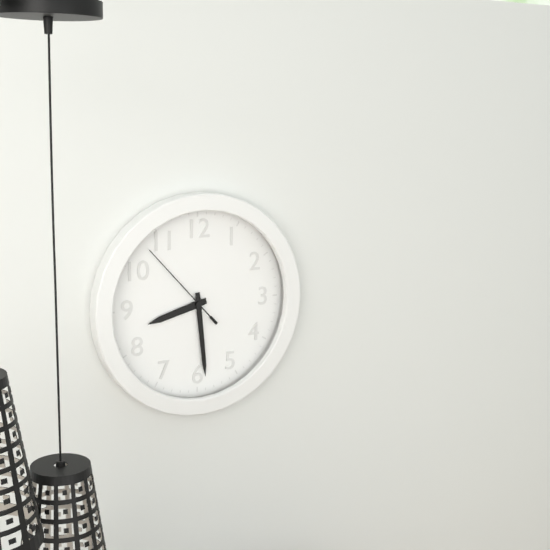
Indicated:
8,29,53
